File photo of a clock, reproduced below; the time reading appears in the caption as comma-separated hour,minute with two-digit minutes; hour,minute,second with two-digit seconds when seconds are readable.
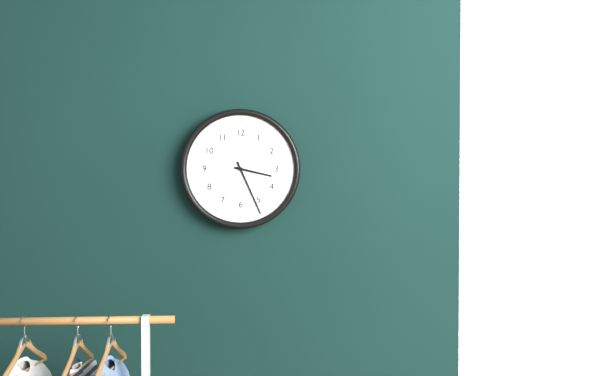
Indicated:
3,26
